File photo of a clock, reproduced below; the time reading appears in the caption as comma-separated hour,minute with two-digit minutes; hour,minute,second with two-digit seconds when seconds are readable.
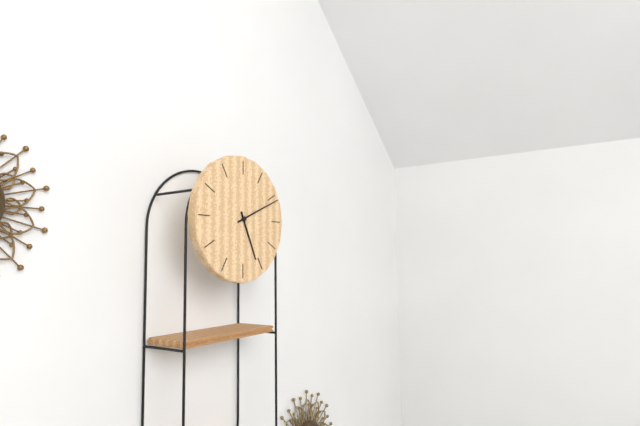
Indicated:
5,11
